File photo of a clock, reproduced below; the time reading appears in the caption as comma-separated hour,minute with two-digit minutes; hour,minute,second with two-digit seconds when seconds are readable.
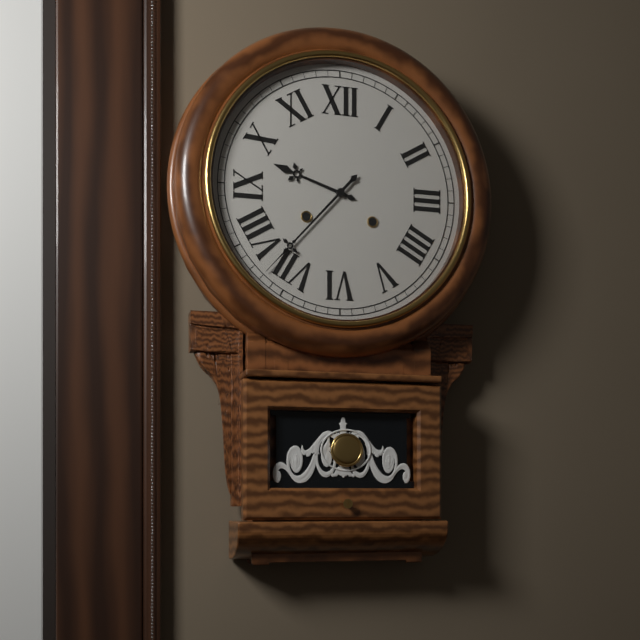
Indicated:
9,37
